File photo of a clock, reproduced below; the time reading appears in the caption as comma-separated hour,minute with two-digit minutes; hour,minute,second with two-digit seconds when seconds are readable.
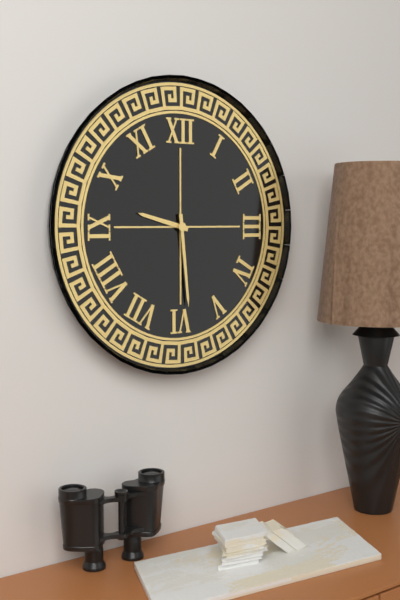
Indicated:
9,29
